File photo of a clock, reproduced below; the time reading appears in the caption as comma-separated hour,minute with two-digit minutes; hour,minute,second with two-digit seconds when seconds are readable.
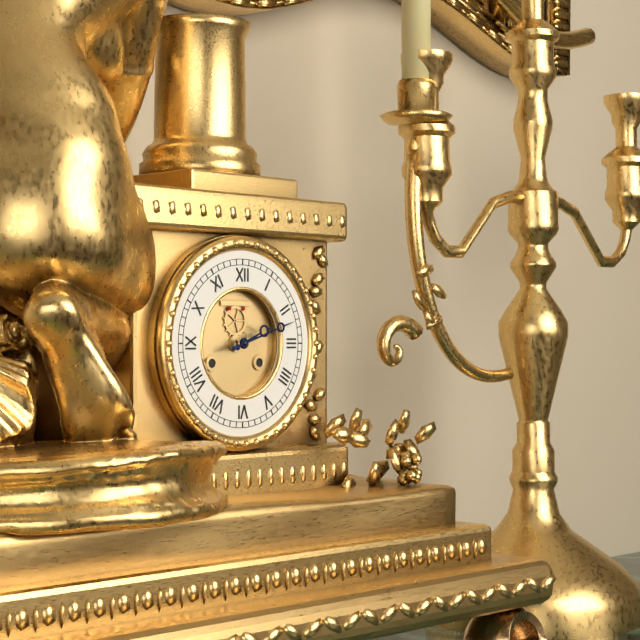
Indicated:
2,12
